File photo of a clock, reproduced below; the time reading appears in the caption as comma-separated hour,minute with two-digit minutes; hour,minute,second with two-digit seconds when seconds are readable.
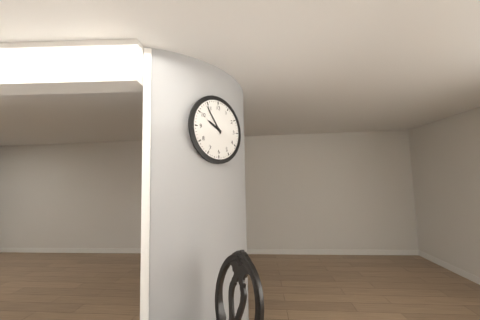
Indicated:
9,54
